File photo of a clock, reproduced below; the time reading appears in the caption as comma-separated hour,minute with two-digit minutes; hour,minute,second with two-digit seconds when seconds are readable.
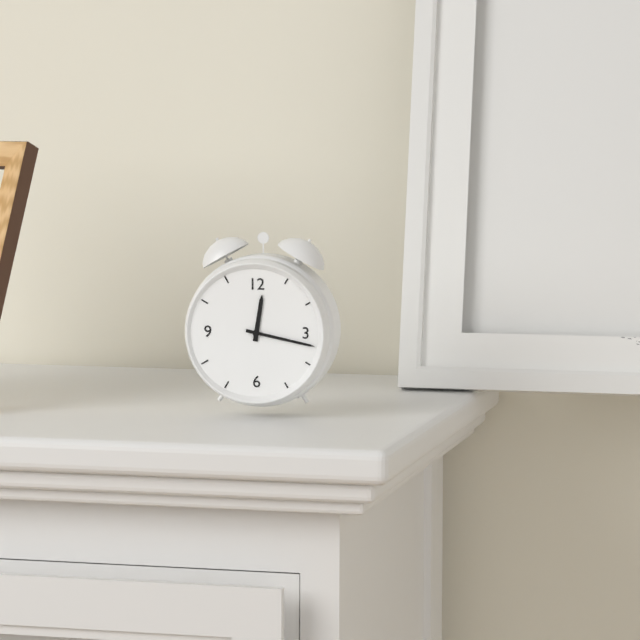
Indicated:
12,17
